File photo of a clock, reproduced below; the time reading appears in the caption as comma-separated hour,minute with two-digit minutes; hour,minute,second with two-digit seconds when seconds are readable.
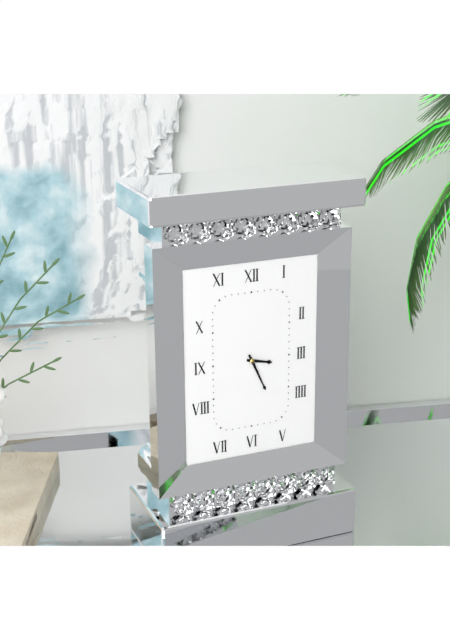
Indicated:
3,26
